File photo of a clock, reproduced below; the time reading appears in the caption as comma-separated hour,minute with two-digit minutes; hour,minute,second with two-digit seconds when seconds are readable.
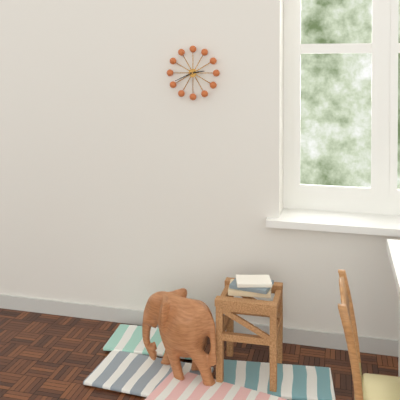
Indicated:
2,41
